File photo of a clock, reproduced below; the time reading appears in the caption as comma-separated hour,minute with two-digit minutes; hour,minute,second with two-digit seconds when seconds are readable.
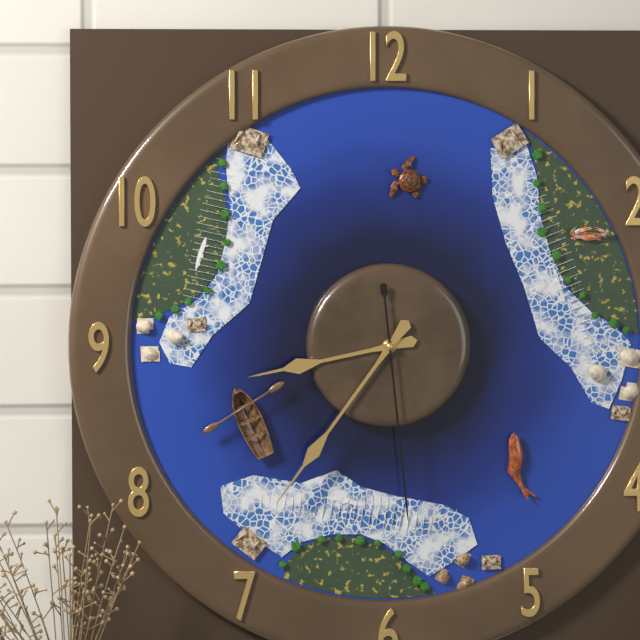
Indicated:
8,36,29
